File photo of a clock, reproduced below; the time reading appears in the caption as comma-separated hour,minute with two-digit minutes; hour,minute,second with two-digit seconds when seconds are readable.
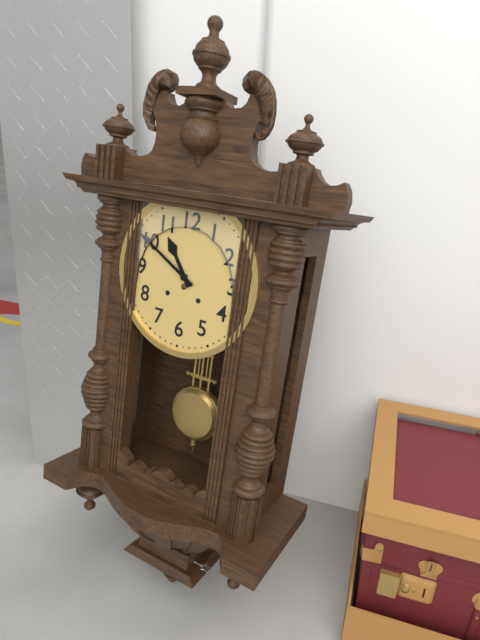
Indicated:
10,50
